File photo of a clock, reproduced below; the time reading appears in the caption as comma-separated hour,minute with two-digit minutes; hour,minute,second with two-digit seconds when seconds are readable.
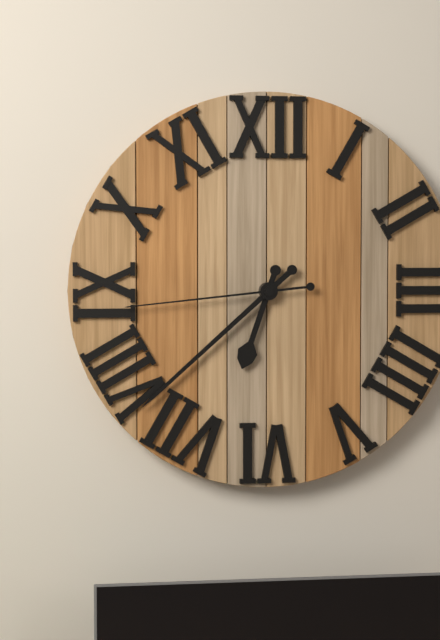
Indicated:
6,38,44
